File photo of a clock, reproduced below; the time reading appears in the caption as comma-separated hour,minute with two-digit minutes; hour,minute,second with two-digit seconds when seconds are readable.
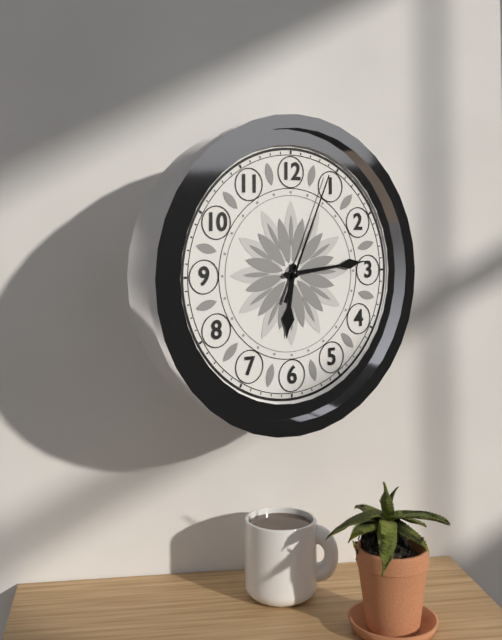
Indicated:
6,14,04
